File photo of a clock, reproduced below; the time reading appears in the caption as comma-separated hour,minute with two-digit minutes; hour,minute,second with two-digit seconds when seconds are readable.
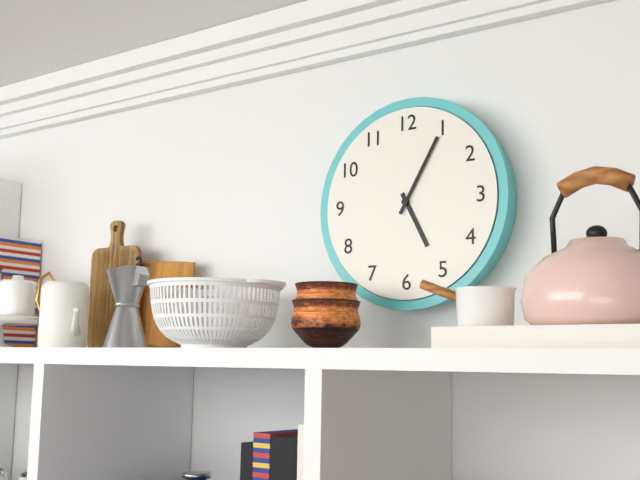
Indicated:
5,05
